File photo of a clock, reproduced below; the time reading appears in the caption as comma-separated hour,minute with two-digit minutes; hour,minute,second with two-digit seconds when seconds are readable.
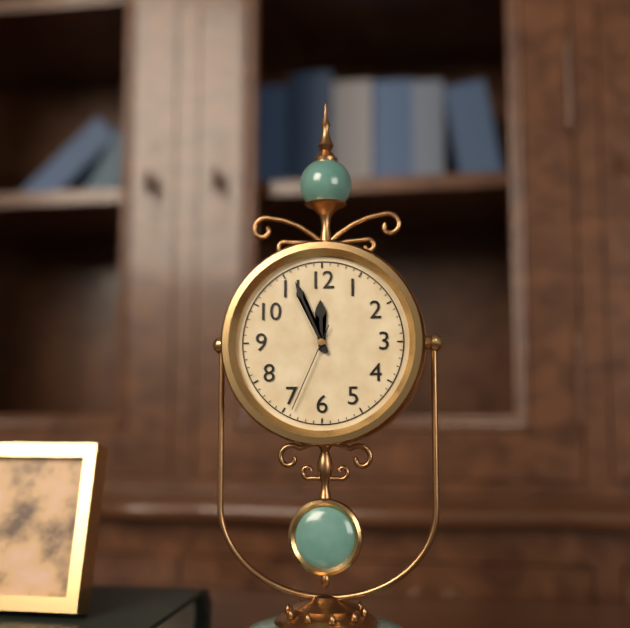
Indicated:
11,56,34
